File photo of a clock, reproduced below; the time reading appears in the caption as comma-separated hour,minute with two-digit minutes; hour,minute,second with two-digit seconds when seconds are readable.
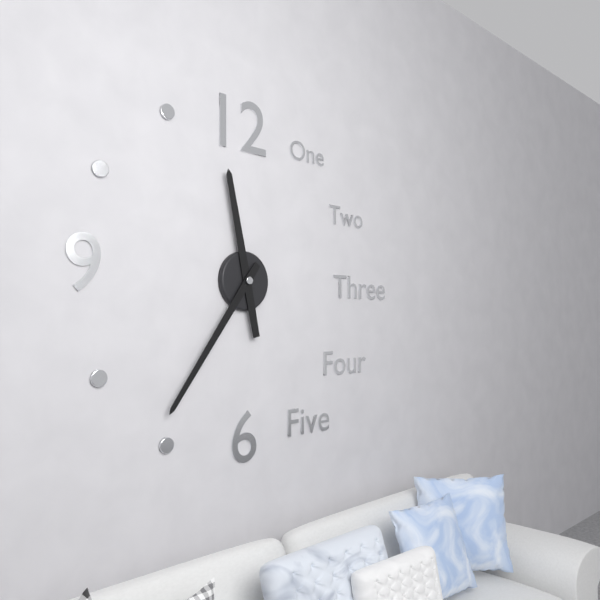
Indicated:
11,36
